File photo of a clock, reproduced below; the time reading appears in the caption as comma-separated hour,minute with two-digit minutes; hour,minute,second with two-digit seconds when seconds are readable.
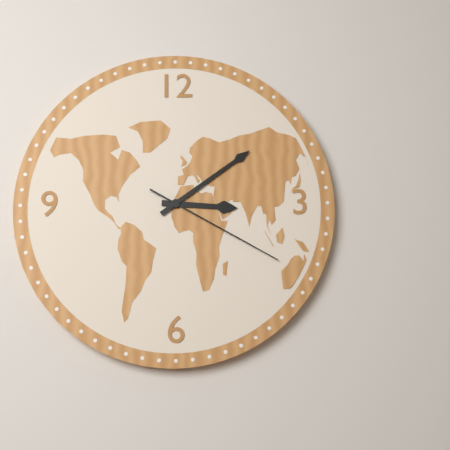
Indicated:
3,09,20
